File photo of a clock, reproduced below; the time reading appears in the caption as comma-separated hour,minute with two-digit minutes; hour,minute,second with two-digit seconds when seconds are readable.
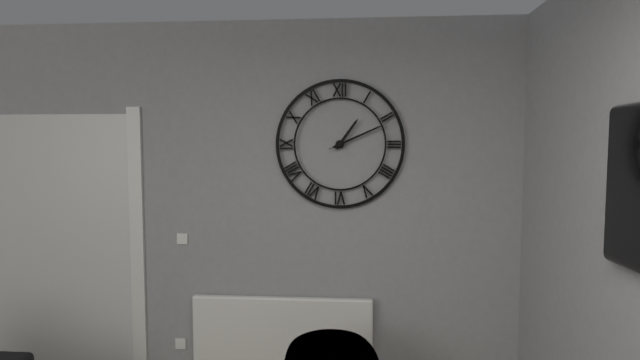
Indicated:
1,11,11
